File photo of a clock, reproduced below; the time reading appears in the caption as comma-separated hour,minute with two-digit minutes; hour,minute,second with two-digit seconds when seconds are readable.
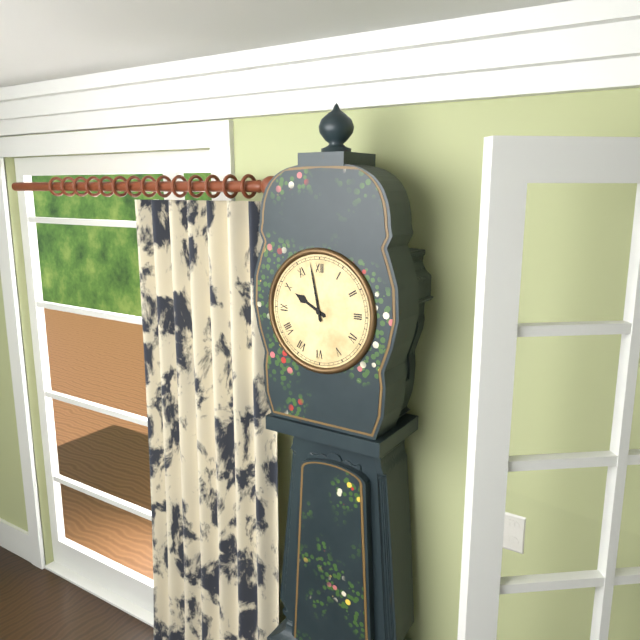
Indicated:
9,58
